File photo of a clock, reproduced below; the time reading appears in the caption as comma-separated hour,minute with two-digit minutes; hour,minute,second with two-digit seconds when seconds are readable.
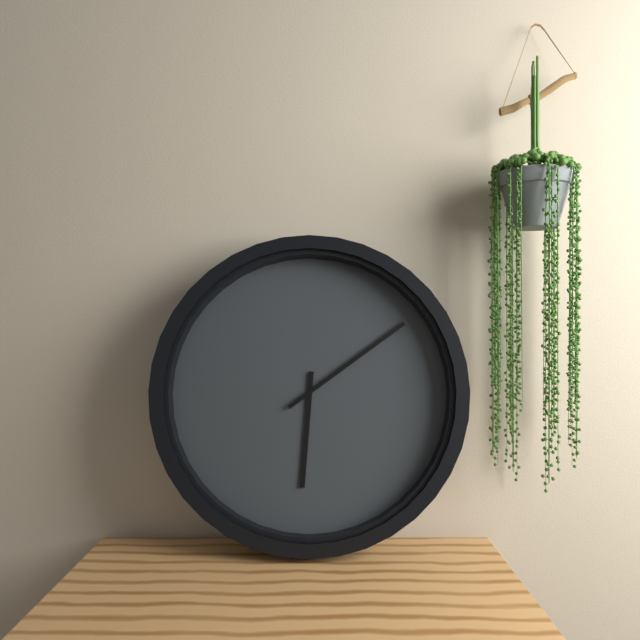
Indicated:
6,09
